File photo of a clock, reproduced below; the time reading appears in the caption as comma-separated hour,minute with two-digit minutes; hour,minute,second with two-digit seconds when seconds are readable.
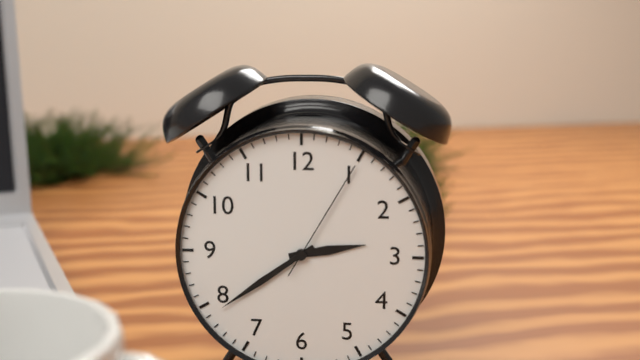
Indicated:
2,39,05
